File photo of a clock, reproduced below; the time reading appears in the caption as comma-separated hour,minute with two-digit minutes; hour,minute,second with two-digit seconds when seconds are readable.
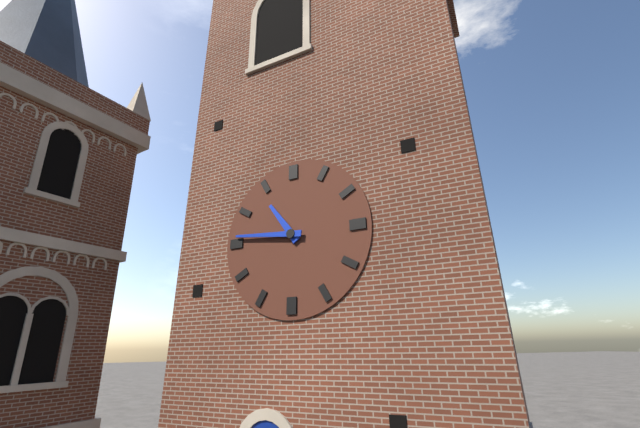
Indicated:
10,46
